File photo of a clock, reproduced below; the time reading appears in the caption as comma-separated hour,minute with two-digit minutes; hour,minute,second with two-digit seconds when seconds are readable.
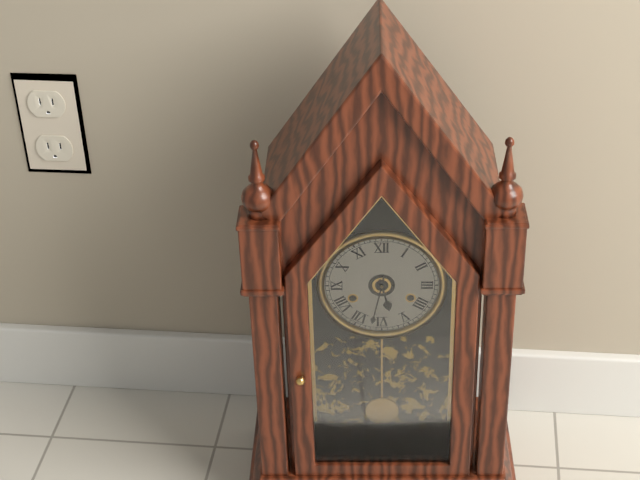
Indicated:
5,32
